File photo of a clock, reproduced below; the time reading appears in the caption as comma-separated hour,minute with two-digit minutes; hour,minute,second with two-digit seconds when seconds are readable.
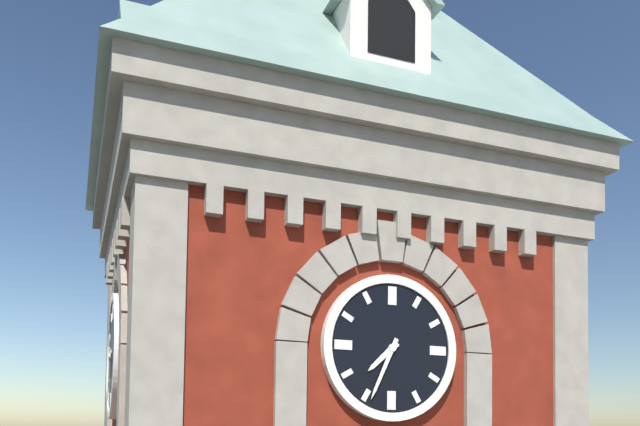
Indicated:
7,34
